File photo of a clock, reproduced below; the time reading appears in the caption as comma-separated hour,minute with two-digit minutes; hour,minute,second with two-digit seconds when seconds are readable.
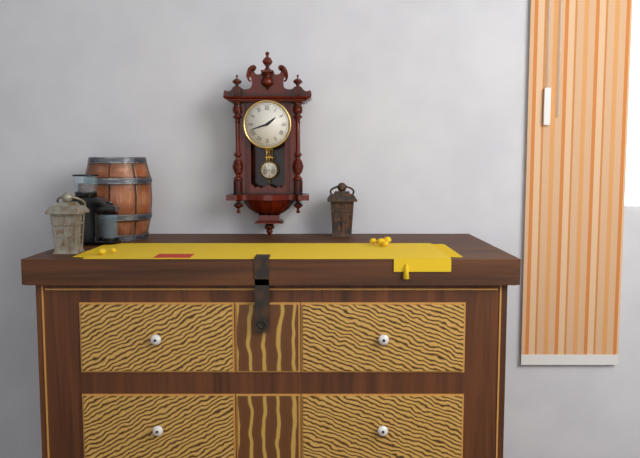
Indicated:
1,42
